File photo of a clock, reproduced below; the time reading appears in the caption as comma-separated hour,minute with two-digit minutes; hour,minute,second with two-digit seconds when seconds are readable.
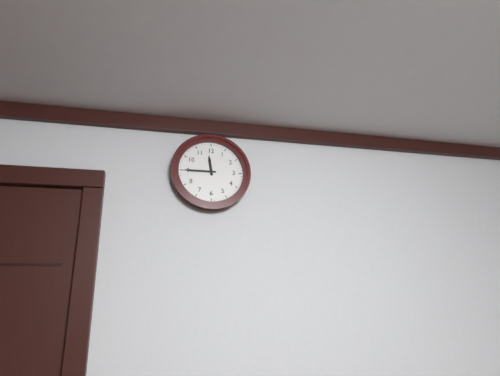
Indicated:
11,45
